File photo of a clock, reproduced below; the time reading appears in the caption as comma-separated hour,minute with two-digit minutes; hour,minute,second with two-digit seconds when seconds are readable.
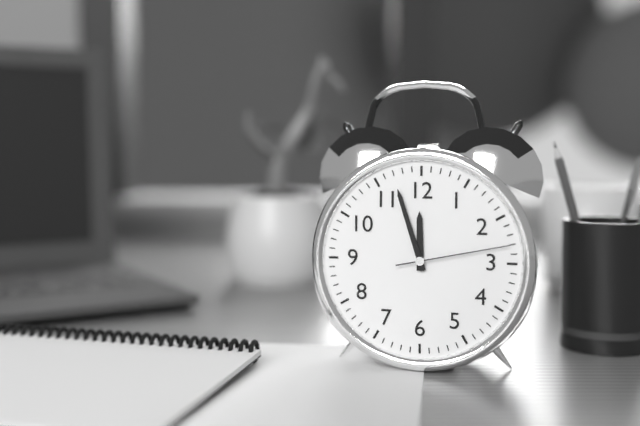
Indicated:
11,57,13
